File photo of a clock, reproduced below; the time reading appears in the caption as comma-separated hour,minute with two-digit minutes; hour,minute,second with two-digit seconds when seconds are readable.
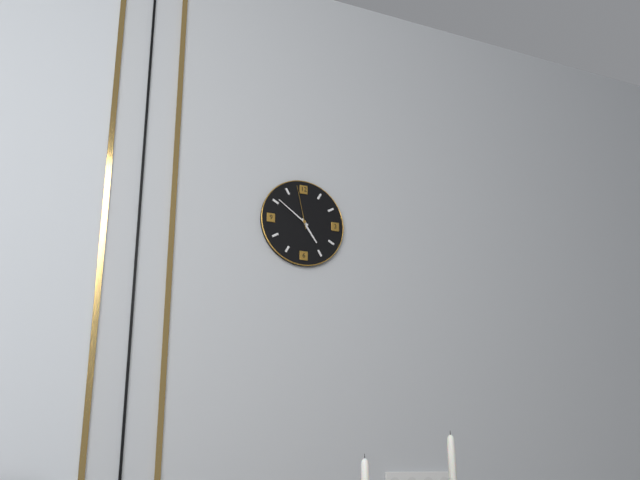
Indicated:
4,51
